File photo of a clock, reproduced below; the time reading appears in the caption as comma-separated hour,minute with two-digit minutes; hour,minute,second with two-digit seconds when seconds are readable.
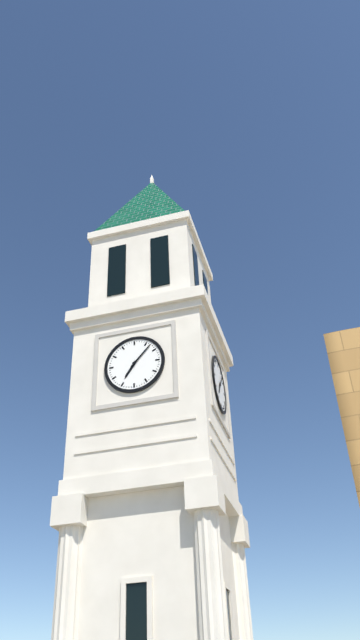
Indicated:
7,07
